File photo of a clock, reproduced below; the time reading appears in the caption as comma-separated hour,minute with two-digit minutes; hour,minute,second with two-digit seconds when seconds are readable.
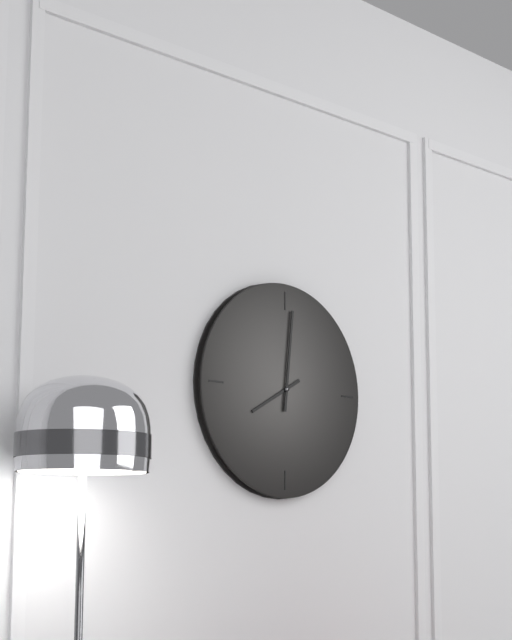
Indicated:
8,01
